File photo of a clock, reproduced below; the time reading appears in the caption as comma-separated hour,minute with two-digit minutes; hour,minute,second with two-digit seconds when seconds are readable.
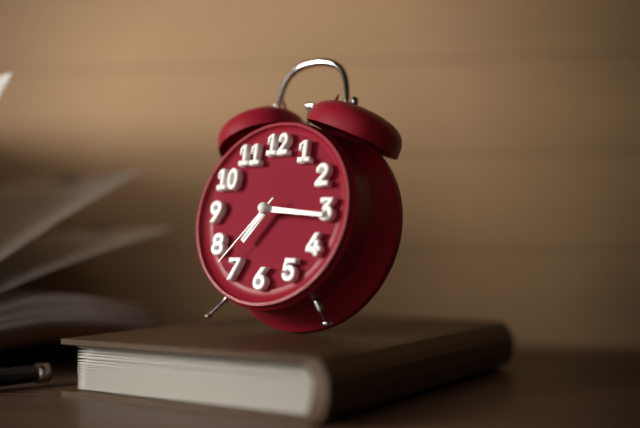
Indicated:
7,16,37
